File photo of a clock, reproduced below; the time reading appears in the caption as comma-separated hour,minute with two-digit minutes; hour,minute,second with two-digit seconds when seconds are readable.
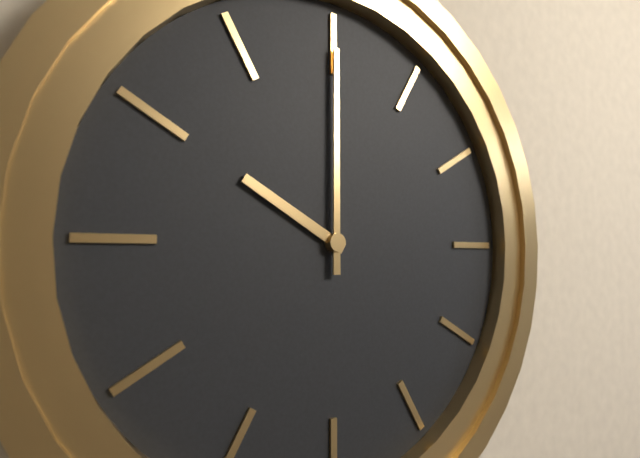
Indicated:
10,00
